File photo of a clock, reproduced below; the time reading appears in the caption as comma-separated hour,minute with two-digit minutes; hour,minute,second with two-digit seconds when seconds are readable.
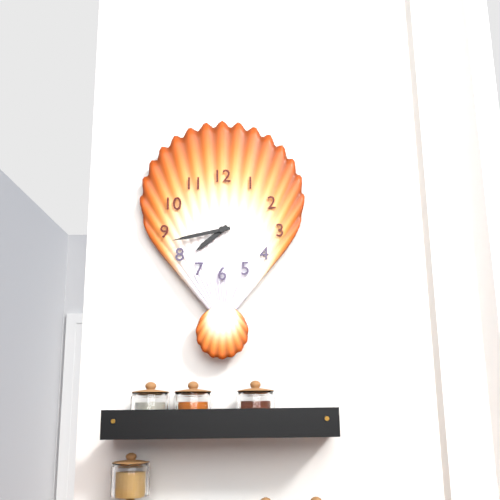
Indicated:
7,43
